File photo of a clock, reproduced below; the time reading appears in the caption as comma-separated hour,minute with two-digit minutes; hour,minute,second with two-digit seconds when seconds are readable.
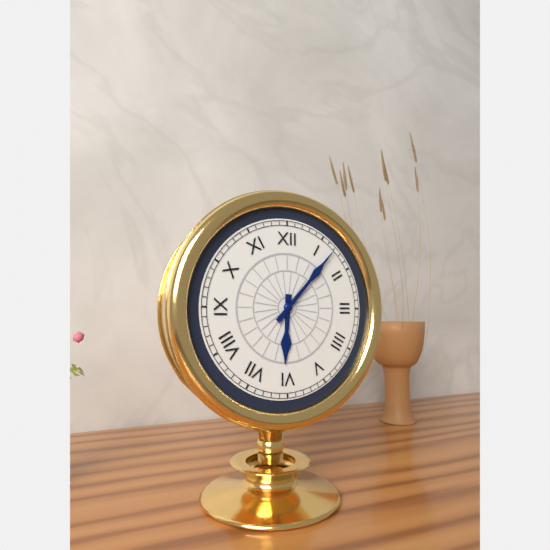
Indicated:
6,07
